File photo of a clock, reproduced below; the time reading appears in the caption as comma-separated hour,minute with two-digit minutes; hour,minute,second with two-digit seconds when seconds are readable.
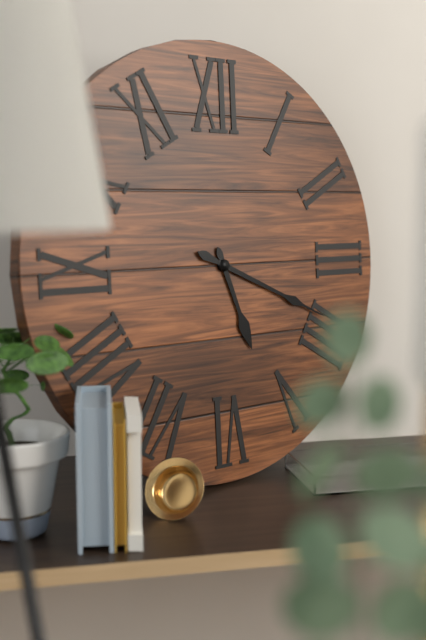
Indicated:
5,19
